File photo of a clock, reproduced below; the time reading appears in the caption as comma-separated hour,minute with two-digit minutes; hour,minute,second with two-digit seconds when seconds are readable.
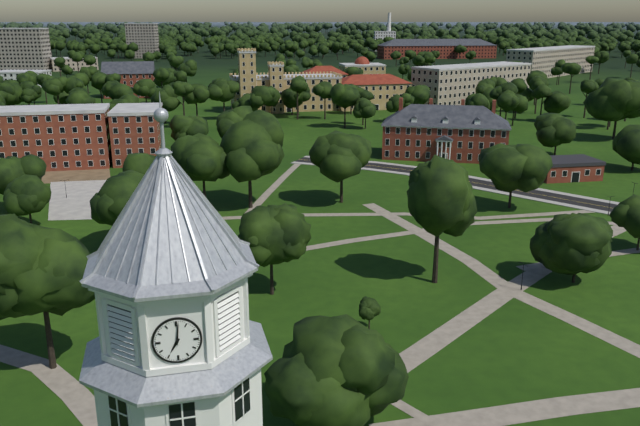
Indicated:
7,01
